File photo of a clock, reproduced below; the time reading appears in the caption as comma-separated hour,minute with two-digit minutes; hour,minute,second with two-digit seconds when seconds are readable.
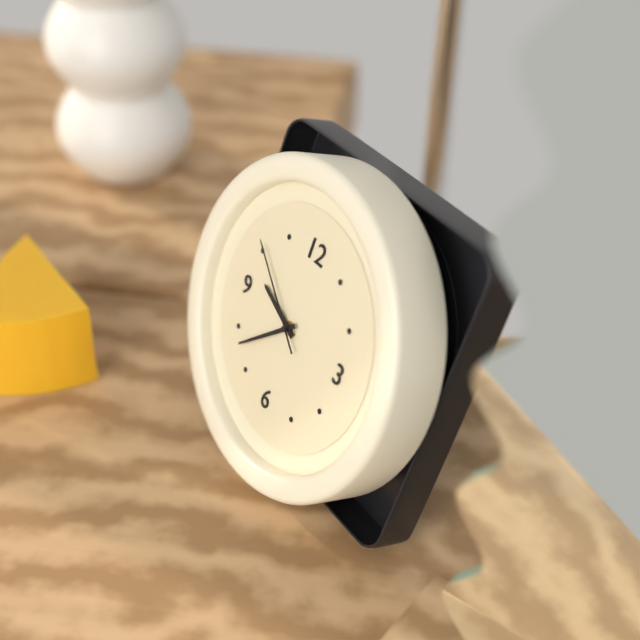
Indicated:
9,38,51
